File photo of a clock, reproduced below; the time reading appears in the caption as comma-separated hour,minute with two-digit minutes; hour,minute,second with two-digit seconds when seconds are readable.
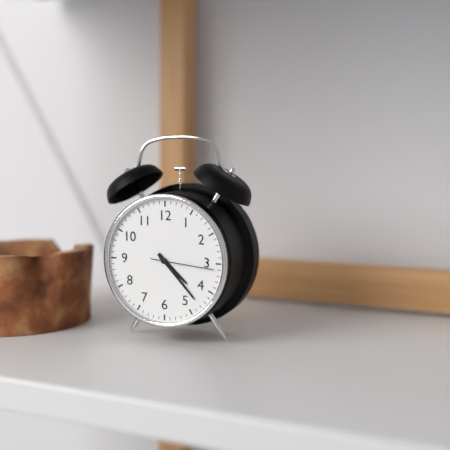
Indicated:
4,23,16
